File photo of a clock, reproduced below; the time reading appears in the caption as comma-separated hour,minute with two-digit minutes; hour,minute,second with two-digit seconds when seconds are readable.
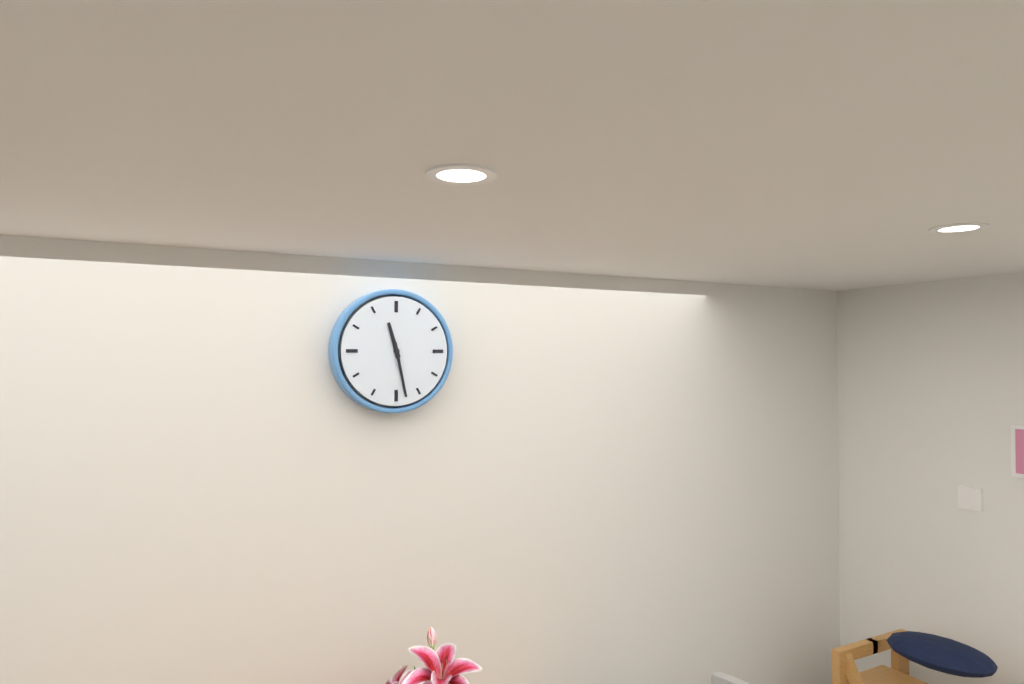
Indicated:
11,28
